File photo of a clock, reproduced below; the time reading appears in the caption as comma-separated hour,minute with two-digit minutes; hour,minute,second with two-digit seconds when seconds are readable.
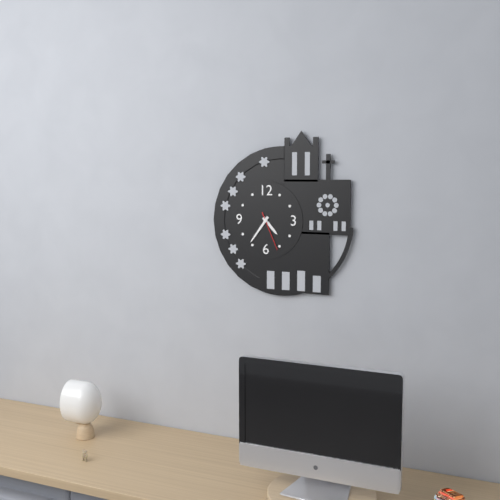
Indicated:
4,36
